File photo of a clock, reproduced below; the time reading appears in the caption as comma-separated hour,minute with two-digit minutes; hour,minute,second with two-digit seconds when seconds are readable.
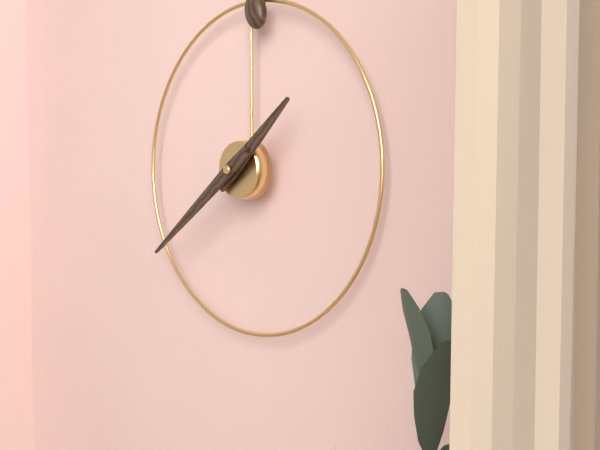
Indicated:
1,39
